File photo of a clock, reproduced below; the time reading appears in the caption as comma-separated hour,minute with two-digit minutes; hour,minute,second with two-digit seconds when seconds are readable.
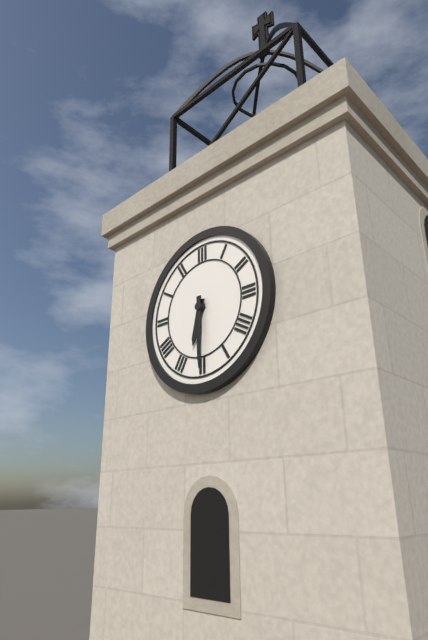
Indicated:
6,30
